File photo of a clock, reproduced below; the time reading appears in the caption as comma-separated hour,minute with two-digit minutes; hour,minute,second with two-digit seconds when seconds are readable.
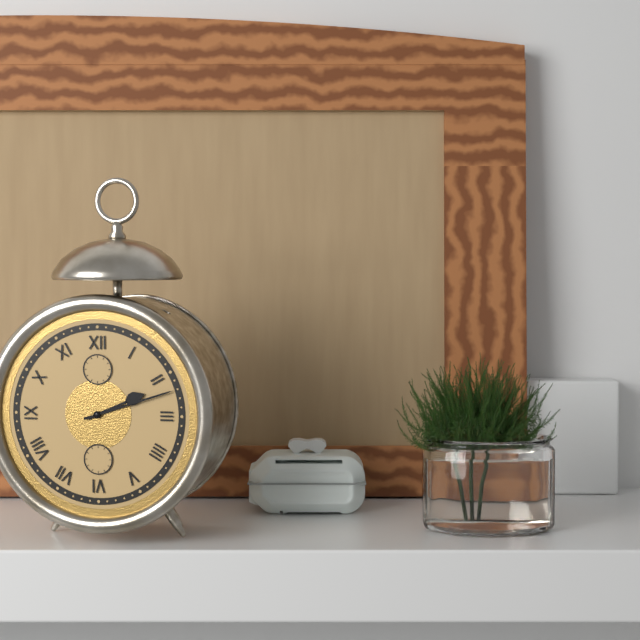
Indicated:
2,12
